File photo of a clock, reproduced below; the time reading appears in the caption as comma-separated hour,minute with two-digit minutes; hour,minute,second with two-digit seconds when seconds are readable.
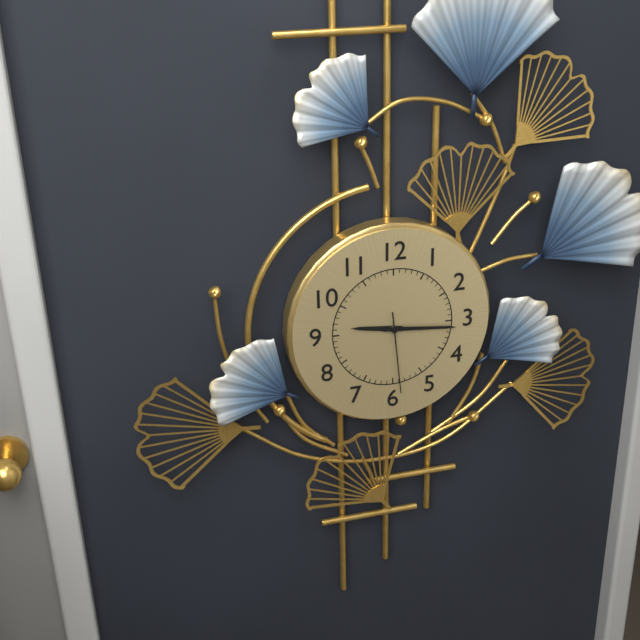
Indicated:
9,16,29
